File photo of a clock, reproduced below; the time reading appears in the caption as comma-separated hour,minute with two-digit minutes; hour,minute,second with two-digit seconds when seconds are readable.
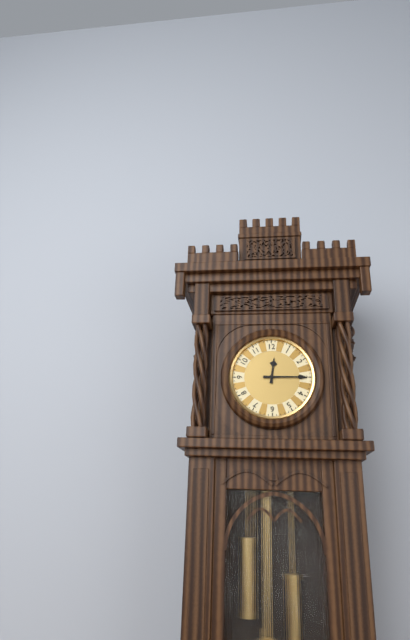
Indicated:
12,15
